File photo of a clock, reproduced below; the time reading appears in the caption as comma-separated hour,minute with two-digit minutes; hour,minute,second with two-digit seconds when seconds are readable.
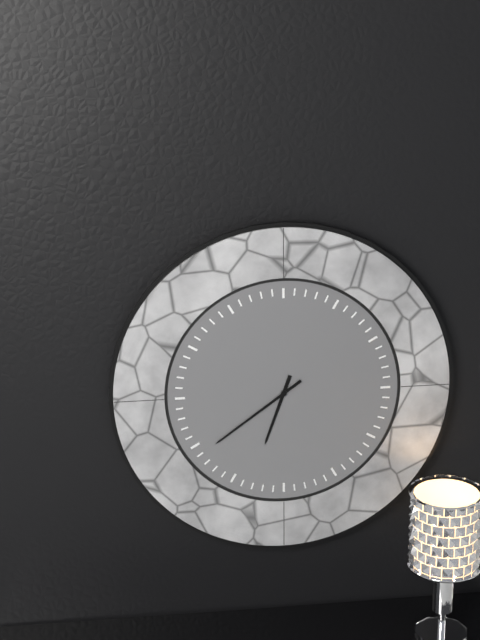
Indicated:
6,39
